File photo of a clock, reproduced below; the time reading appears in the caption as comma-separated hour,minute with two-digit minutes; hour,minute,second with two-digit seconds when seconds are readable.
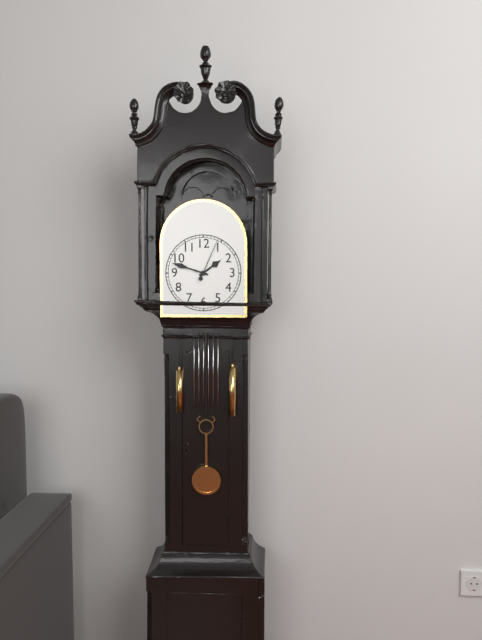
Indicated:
1,48
